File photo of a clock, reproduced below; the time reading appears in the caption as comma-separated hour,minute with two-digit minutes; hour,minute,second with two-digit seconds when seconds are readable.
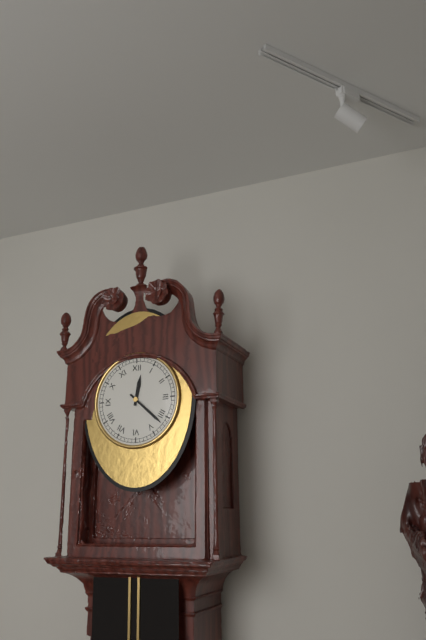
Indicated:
12,22
